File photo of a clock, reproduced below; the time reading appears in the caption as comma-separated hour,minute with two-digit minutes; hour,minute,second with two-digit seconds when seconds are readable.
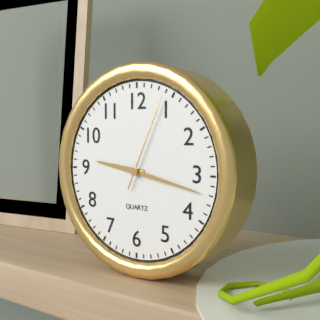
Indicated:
9,17,04
